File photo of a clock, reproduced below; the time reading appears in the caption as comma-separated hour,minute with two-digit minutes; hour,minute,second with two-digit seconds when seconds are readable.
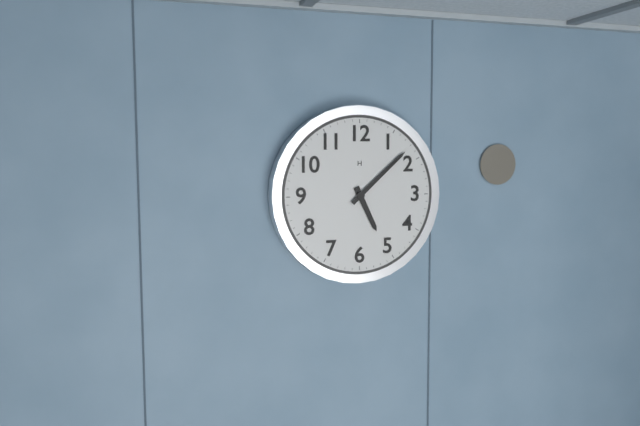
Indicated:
5,08
